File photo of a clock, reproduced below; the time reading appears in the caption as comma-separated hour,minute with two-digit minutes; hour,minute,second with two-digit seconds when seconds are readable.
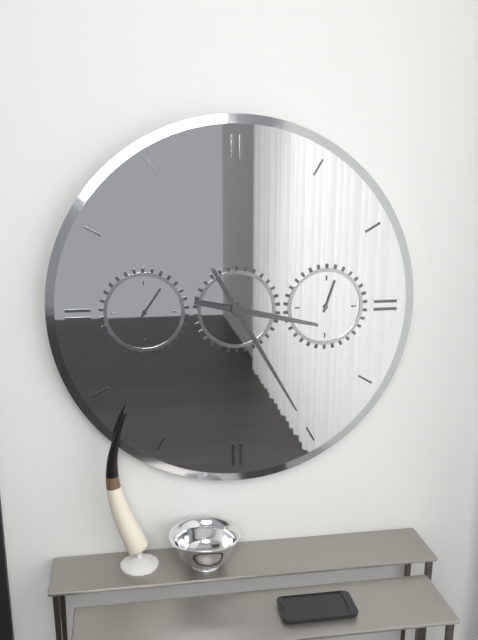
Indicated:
3,25
